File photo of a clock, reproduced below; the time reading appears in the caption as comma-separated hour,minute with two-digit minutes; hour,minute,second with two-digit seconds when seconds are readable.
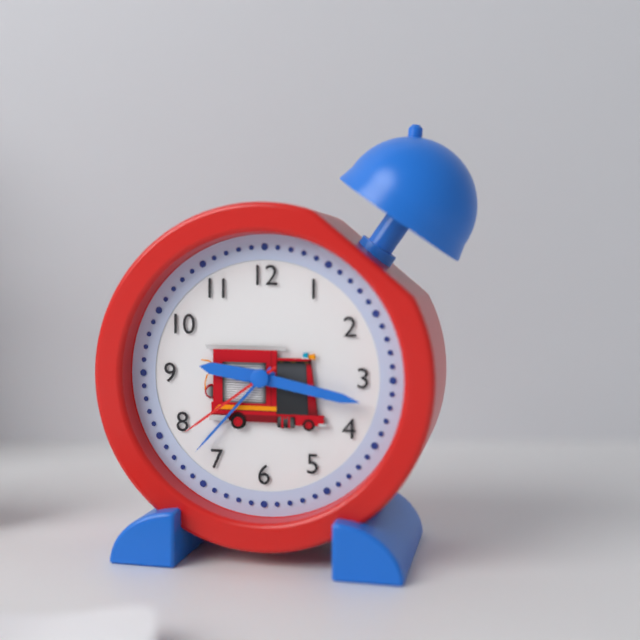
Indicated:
9,17,39
